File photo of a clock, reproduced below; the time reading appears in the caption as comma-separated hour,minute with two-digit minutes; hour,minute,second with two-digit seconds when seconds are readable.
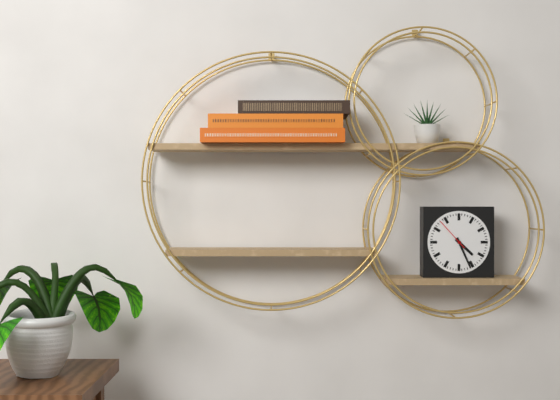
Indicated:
4,26
